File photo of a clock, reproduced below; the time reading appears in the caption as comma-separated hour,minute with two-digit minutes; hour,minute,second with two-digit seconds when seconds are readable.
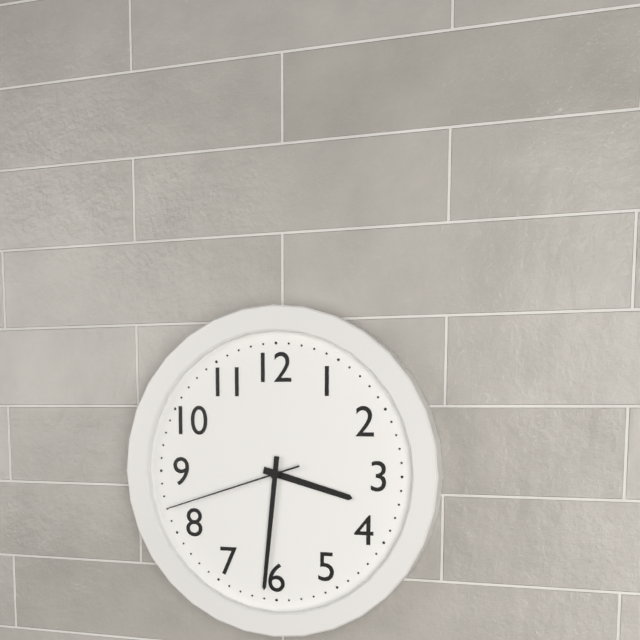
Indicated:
3,31,42
